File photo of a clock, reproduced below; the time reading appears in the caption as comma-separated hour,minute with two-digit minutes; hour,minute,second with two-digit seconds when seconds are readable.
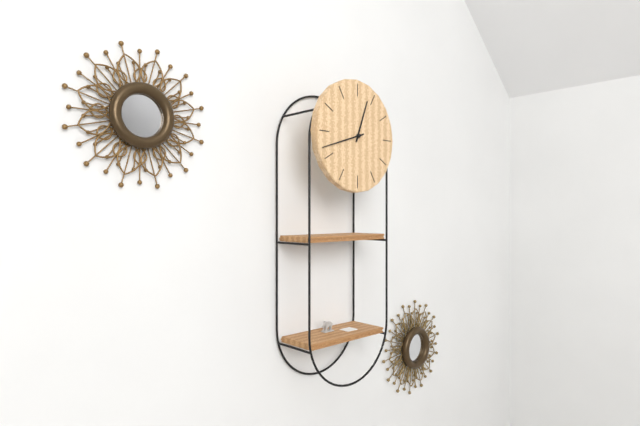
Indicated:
12,42
